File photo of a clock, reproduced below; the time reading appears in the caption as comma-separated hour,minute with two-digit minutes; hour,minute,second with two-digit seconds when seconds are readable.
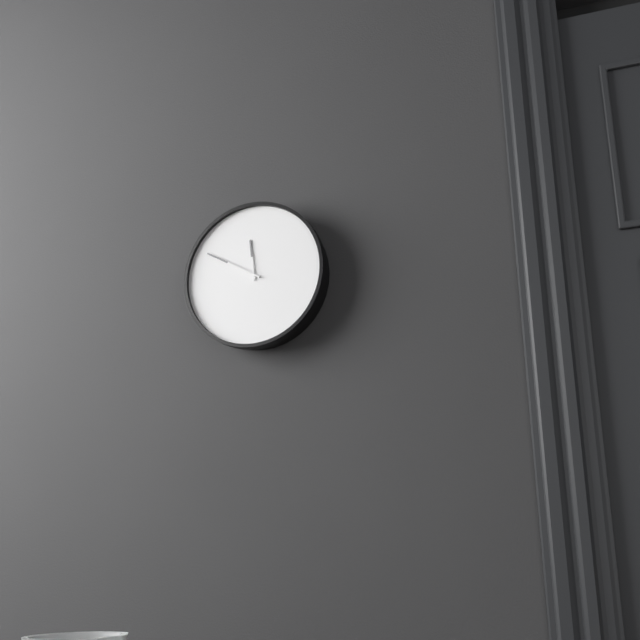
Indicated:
11,50
